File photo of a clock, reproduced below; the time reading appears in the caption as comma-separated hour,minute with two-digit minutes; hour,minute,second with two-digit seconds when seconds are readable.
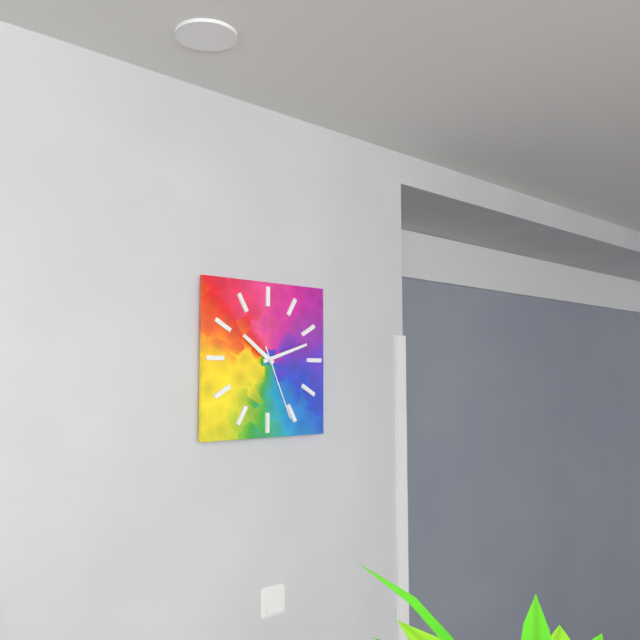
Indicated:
10,12,26
